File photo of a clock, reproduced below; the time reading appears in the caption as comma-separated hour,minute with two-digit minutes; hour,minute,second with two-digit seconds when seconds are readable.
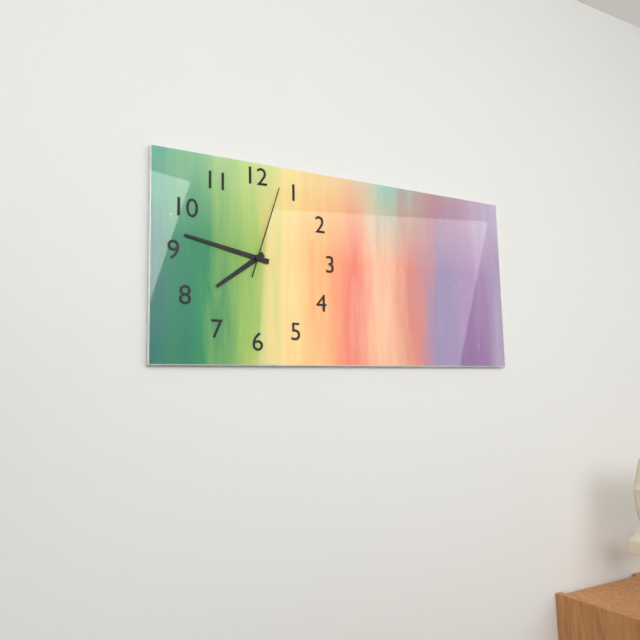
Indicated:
7,47,03
